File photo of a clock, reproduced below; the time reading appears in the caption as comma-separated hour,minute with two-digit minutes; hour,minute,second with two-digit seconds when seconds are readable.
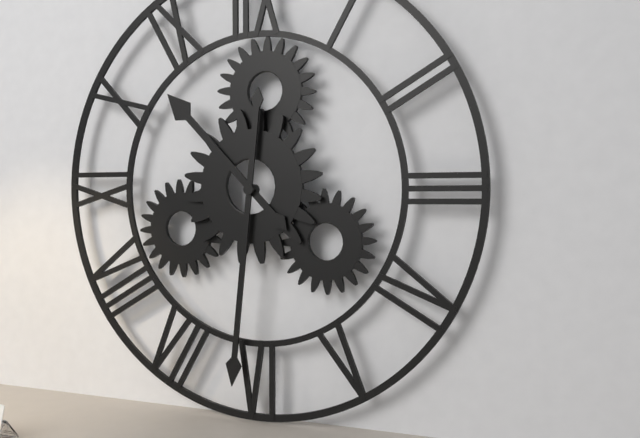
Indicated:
10,31
